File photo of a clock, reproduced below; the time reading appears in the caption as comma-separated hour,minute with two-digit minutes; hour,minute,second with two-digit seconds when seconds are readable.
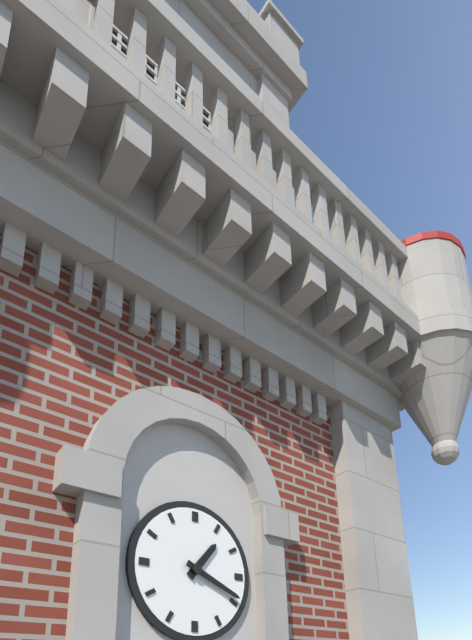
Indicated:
1,19
